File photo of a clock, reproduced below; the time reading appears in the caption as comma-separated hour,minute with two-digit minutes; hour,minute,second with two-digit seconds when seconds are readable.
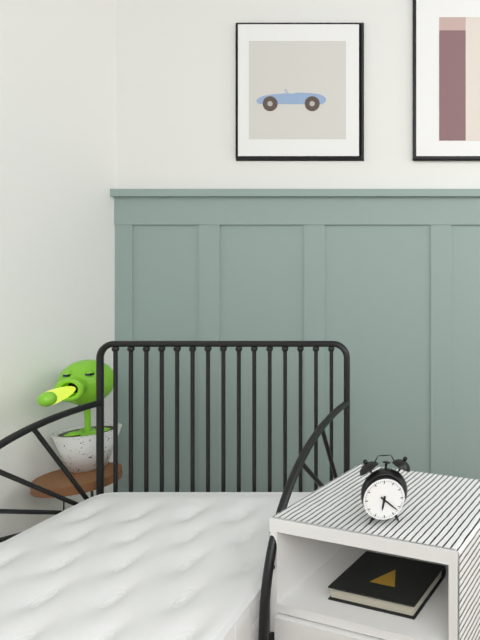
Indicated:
6,22
